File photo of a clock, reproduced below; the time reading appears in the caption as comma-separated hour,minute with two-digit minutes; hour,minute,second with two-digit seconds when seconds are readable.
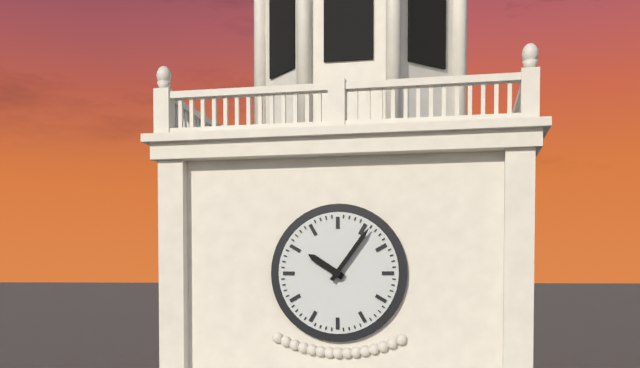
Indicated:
10,06
